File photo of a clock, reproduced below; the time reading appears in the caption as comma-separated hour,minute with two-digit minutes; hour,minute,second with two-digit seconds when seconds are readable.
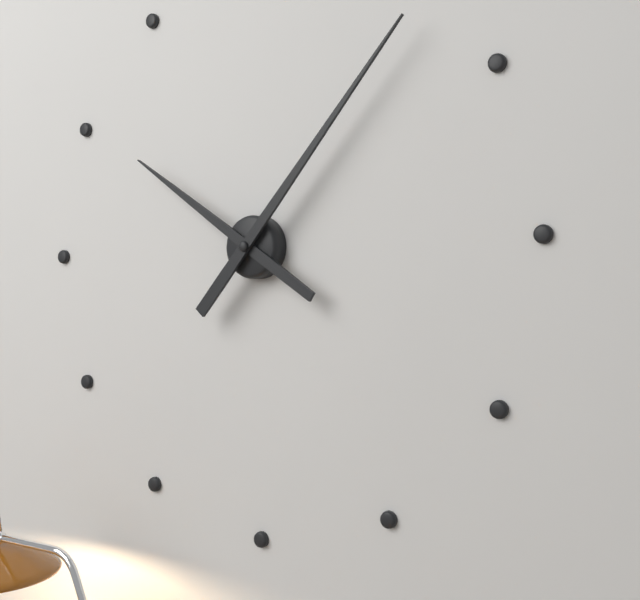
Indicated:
10,07
